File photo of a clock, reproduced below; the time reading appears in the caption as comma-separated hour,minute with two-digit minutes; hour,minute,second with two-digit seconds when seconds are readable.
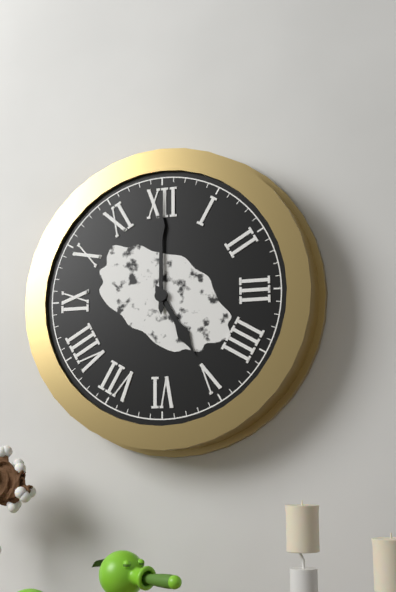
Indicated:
5,00
